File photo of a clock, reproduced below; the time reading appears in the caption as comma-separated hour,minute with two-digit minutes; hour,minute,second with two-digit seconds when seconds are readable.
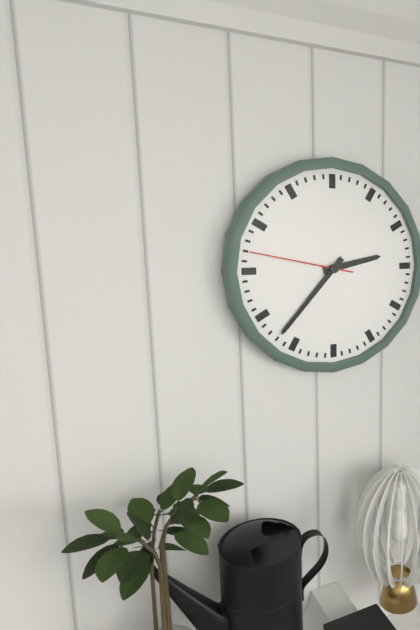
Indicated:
2,37,47
